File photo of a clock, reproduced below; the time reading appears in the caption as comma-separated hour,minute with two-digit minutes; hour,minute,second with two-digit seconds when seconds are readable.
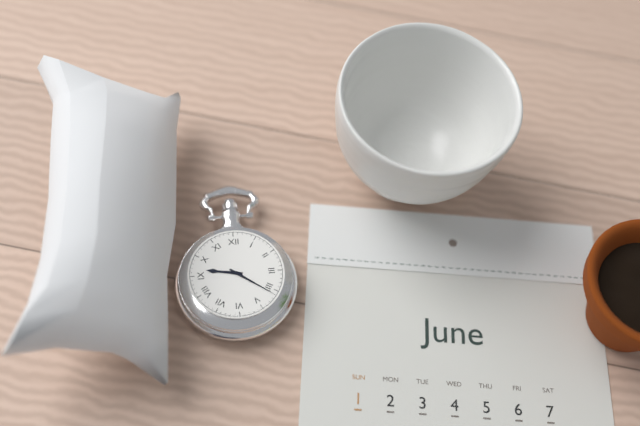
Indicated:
9,21
